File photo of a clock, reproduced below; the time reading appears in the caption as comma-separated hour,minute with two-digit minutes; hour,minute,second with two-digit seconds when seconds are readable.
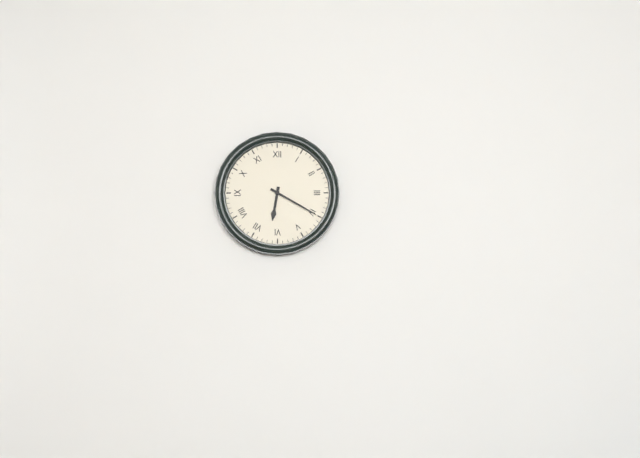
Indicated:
6,20
